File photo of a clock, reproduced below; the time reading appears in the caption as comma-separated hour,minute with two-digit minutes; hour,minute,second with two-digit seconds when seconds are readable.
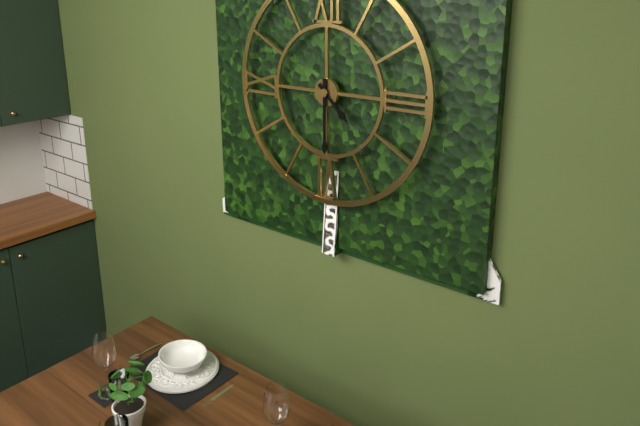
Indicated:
4,30
